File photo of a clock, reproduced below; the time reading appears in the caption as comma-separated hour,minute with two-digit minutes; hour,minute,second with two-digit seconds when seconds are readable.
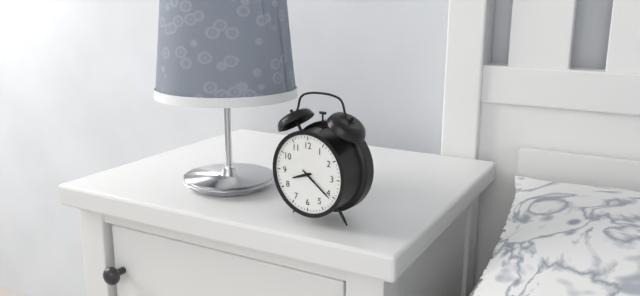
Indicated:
8,21
